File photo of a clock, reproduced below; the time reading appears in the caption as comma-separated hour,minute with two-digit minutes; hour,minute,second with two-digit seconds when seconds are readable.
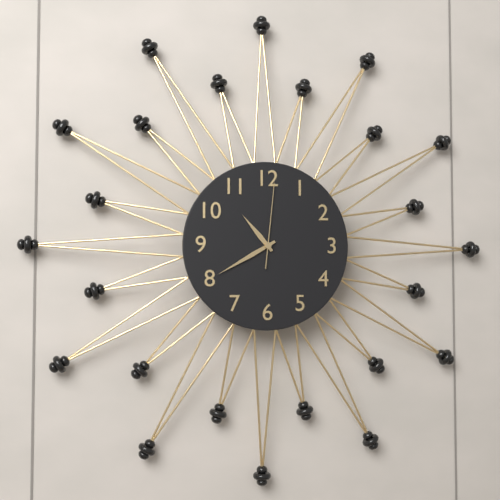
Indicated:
10,40,01
